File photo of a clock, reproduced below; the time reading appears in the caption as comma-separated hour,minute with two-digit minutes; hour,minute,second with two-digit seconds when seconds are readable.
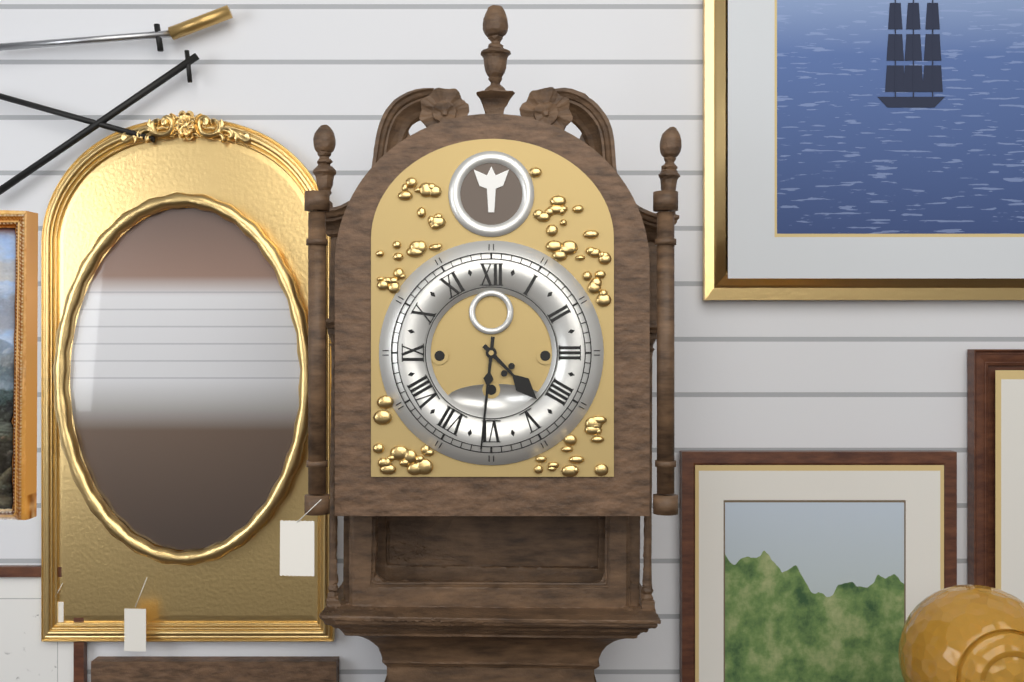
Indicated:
4,31
